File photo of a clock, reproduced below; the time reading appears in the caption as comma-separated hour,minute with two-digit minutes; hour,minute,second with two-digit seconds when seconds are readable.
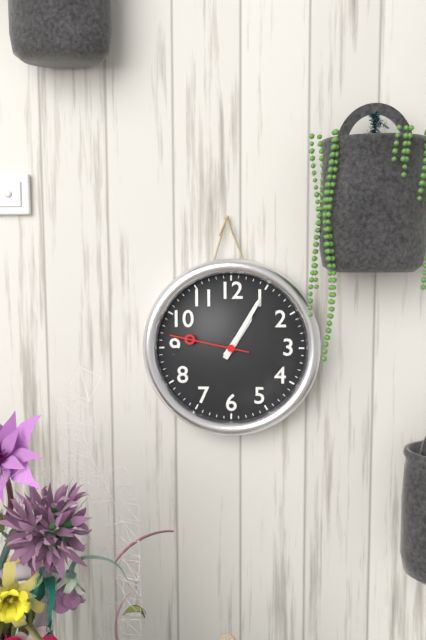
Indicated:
1,05,47
